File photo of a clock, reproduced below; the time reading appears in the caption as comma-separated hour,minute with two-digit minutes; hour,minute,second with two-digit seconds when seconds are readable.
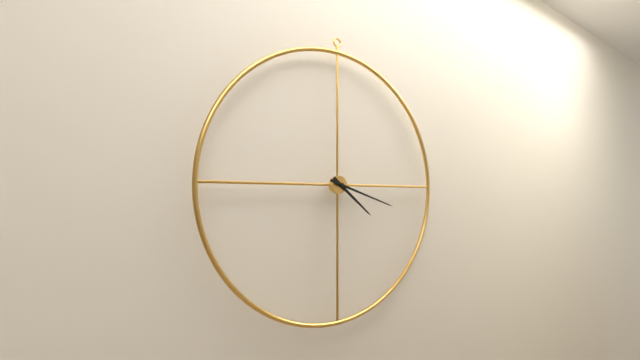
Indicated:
4,18
